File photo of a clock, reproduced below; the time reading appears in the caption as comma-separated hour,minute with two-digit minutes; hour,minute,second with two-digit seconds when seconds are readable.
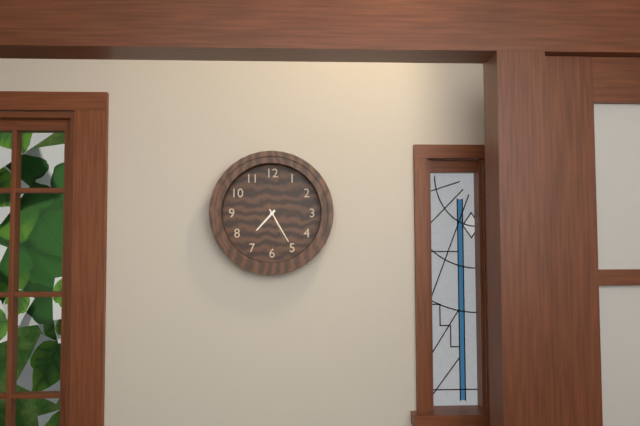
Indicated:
7,25
